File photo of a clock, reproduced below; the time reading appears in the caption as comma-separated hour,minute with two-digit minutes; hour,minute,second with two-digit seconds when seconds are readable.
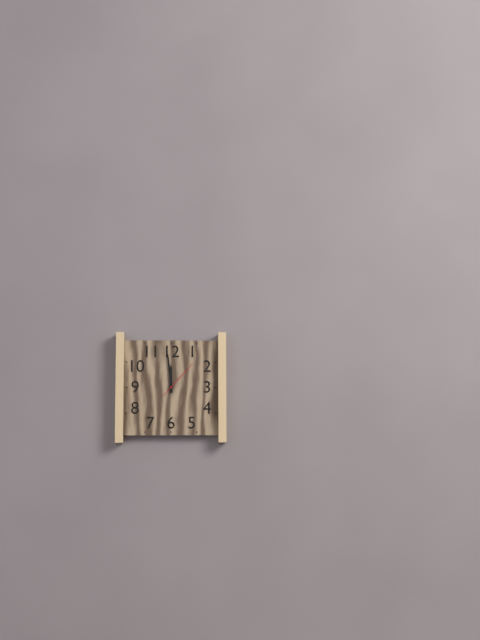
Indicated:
11,59
